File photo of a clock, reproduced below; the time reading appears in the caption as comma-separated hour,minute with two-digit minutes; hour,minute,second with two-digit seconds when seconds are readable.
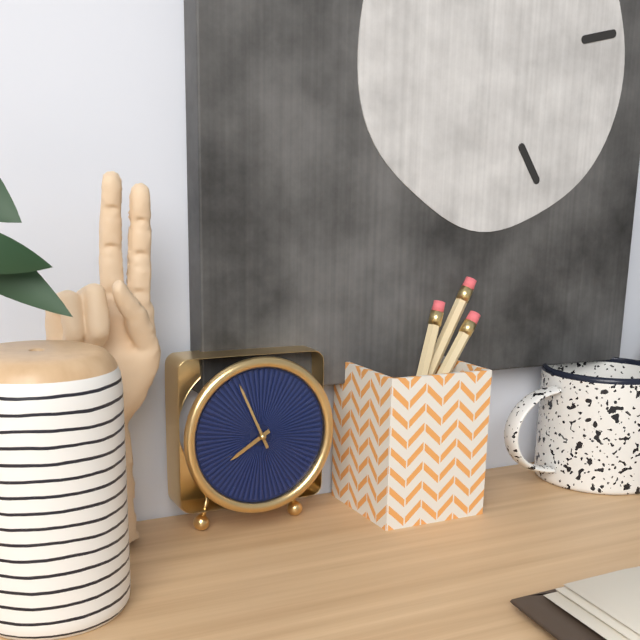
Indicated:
7,56
